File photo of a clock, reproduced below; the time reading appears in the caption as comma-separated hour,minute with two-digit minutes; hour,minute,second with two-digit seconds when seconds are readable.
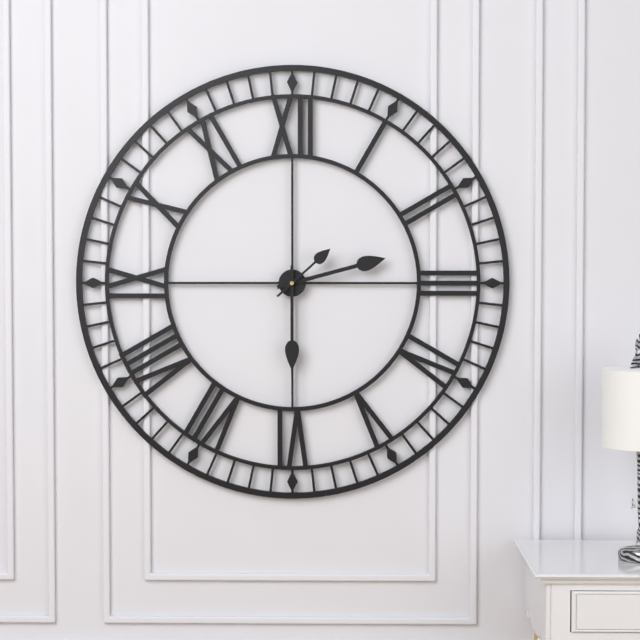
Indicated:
2,30,08
